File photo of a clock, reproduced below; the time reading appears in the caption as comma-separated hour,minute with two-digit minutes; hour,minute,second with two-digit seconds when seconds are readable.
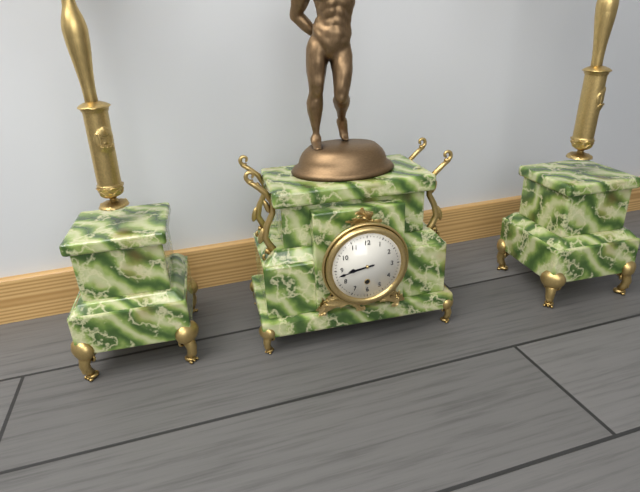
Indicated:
8,43
